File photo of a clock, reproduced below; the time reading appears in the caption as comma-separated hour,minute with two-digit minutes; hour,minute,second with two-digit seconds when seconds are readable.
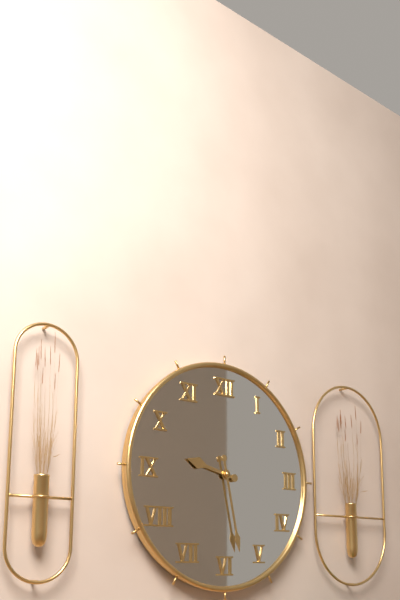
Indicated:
9,28
